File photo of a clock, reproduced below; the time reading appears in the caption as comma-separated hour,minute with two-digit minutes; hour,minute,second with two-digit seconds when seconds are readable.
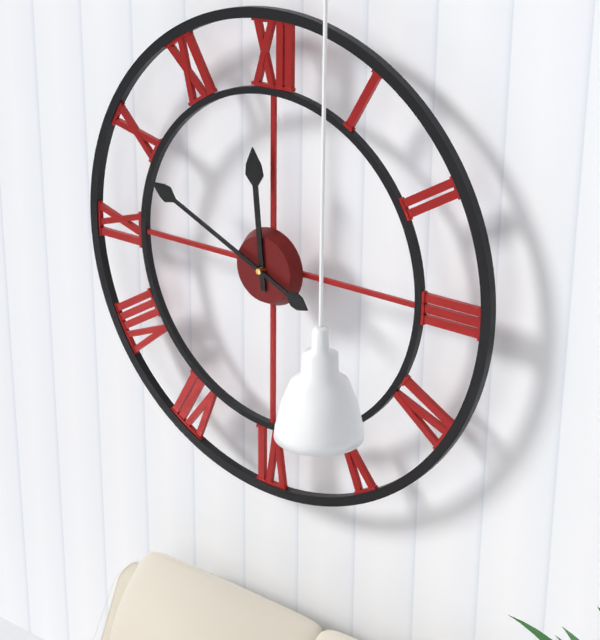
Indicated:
11,49
